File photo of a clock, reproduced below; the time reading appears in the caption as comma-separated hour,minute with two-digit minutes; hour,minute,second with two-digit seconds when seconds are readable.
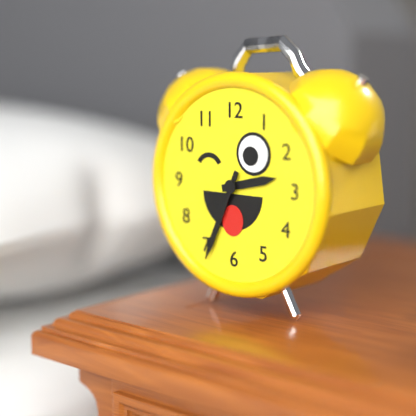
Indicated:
2,34
